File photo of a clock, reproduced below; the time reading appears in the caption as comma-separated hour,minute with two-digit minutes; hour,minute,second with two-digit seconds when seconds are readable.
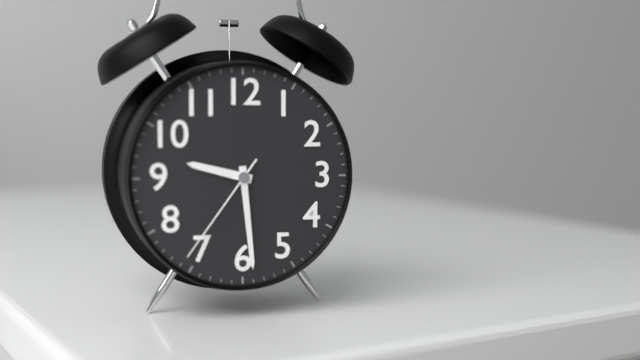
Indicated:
9,29,36
